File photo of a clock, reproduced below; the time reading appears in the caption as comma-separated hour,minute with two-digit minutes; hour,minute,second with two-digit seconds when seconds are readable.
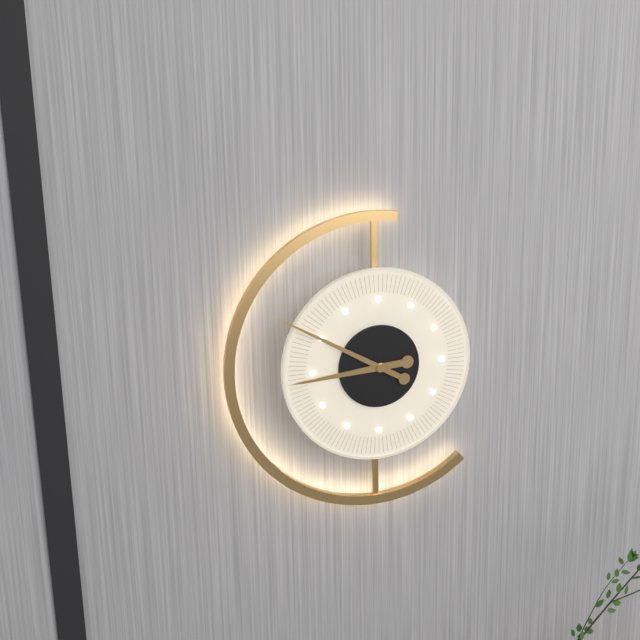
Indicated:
8,50
